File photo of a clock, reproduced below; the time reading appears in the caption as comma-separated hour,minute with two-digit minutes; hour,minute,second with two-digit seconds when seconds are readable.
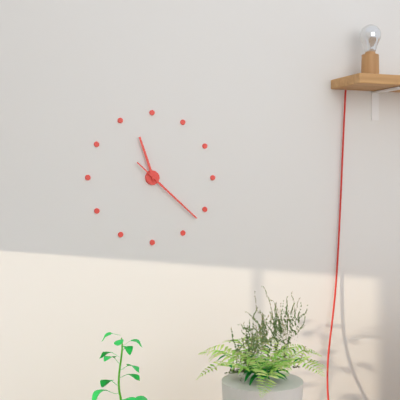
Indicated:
11,22
